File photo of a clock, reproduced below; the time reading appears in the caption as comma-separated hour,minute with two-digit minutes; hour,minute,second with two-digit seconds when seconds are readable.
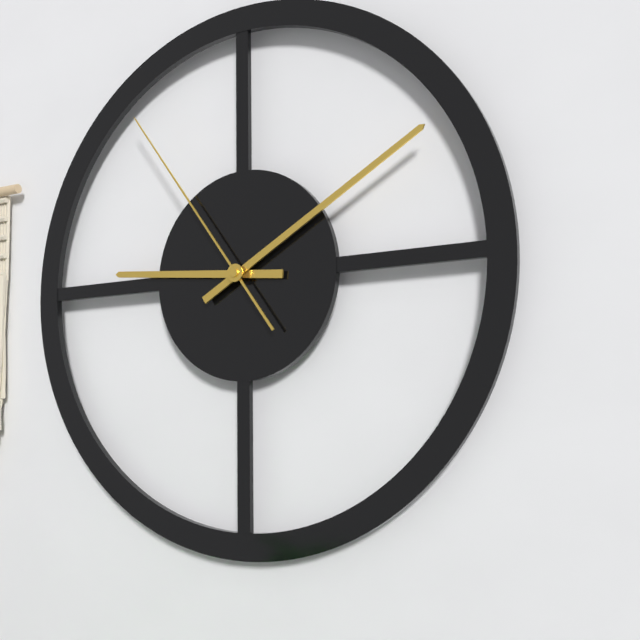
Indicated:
9,10,54
